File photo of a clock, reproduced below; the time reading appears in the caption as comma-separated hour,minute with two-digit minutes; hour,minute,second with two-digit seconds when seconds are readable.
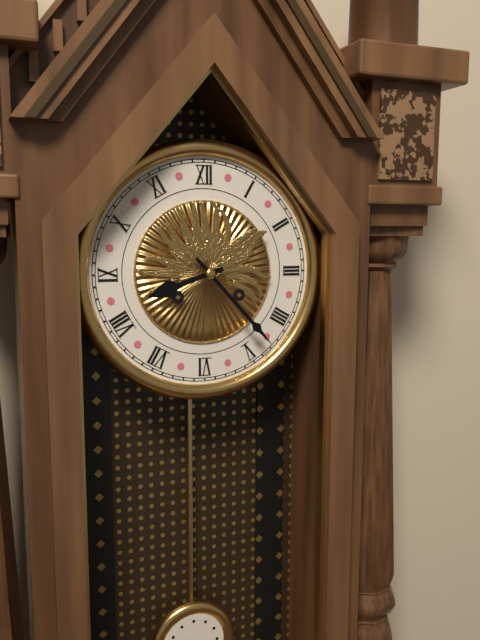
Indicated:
8,23
